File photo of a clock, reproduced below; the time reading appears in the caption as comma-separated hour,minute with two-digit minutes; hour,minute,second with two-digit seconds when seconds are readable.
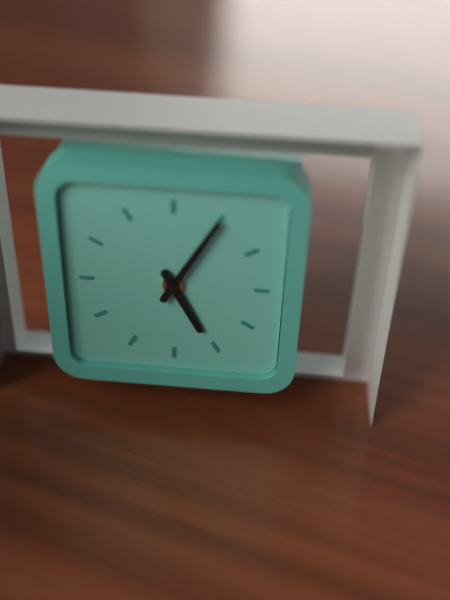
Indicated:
5,05
